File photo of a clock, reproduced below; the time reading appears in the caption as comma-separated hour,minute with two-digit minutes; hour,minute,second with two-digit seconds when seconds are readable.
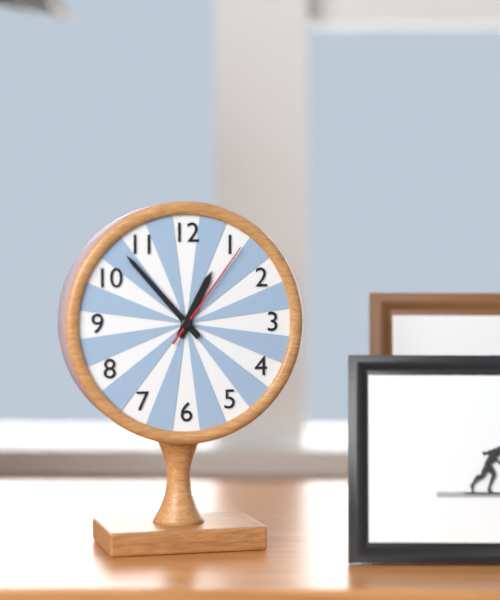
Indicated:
12,53,06
